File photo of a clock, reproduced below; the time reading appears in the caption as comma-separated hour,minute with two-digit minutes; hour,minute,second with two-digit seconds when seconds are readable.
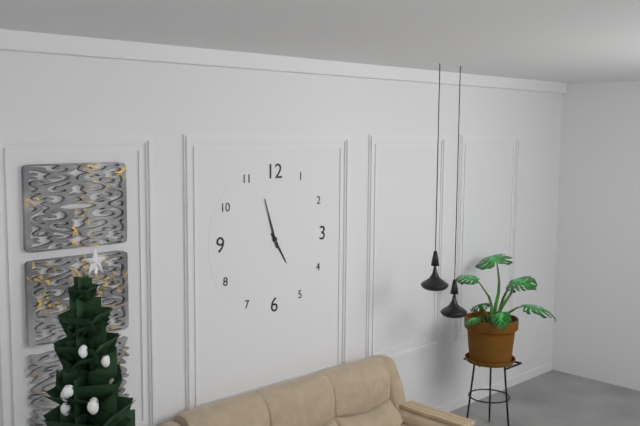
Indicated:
4,57
